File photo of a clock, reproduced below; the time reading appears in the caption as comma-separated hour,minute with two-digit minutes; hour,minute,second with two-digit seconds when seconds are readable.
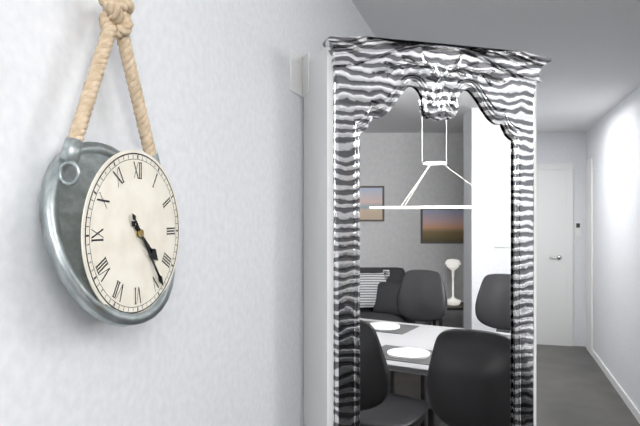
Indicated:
4,24
